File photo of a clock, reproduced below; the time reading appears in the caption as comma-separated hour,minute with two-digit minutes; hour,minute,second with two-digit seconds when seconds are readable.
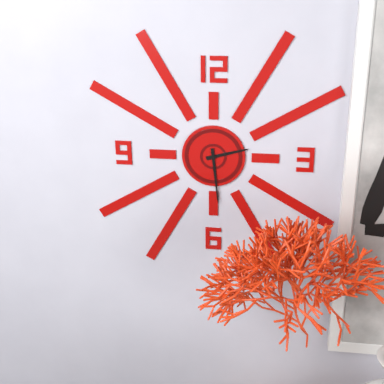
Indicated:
2,29
